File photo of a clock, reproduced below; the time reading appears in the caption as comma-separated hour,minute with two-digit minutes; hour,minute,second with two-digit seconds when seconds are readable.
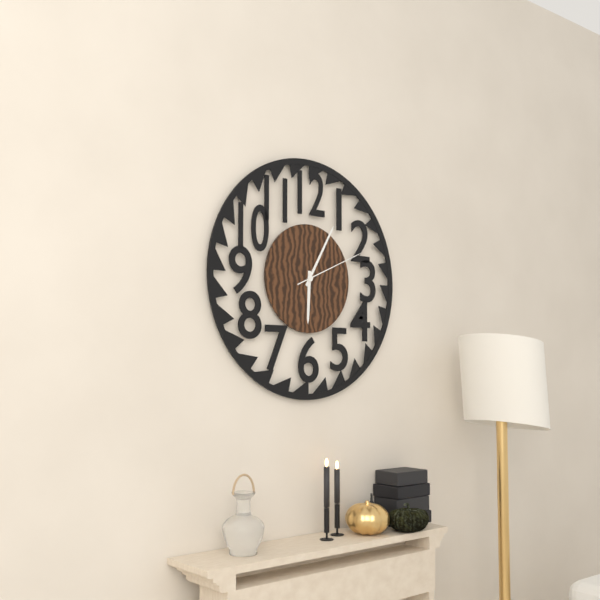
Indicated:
6,05,11
